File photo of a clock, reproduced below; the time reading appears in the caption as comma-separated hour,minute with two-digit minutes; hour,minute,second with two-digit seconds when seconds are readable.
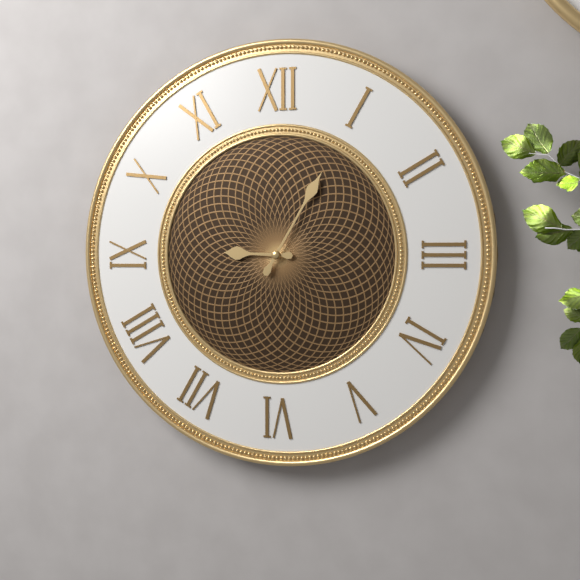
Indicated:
9,05
